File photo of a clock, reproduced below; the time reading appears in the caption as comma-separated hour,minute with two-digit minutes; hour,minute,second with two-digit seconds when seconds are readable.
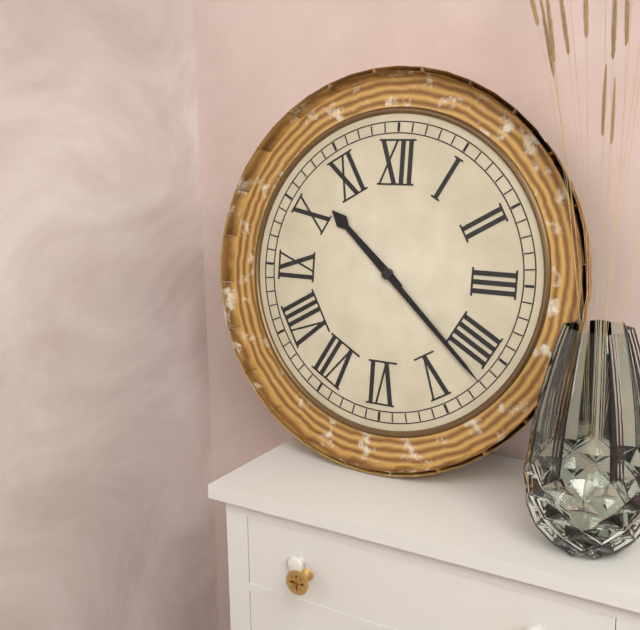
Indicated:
10,22
